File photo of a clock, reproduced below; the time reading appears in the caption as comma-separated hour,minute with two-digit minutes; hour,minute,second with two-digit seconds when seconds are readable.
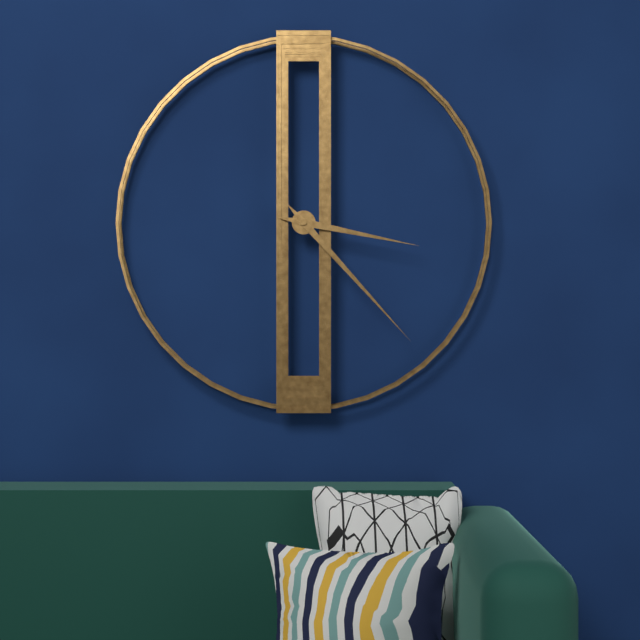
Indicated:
3,23
